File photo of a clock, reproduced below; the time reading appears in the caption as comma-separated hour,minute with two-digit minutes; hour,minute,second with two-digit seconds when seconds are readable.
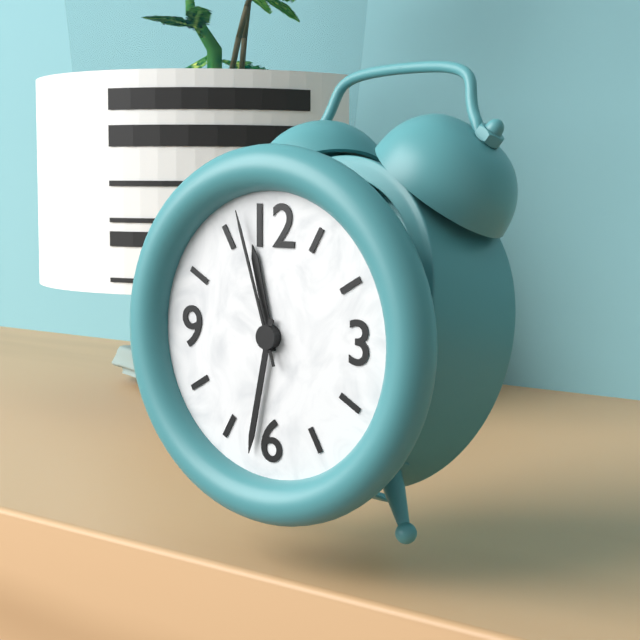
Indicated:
11,32,57
